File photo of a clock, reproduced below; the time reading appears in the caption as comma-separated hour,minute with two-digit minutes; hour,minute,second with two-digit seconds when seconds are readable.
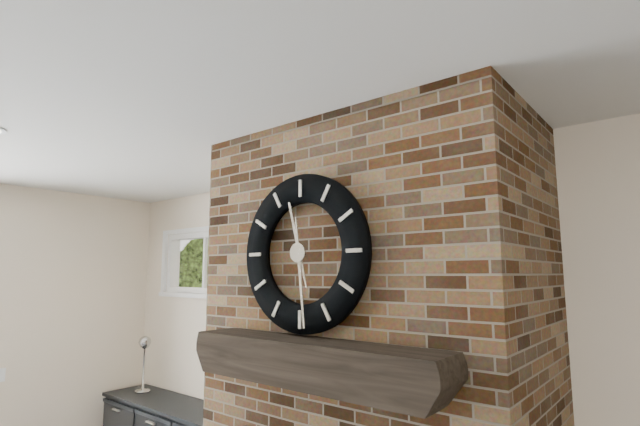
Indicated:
11,29
